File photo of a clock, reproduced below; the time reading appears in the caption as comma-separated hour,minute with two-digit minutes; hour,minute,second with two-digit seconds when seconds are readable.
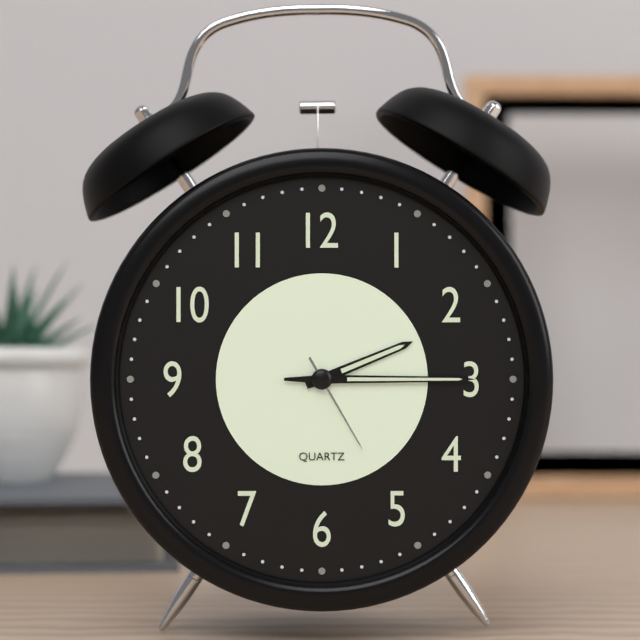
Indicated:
2,15,25
